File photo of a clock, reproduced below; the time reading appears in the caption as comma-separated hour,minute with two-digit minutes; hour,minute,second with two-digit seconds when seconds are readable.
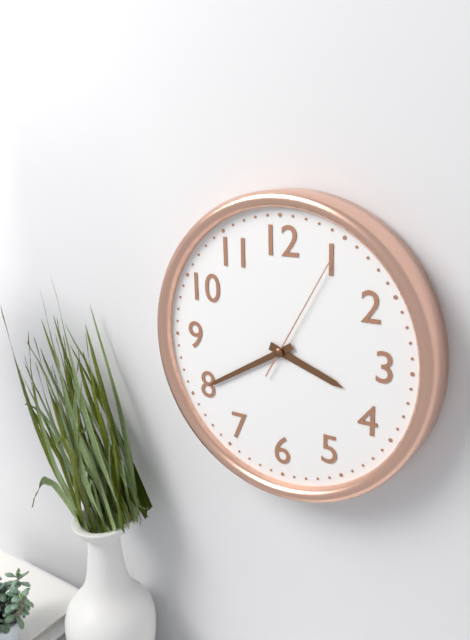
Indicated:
3,40,05
